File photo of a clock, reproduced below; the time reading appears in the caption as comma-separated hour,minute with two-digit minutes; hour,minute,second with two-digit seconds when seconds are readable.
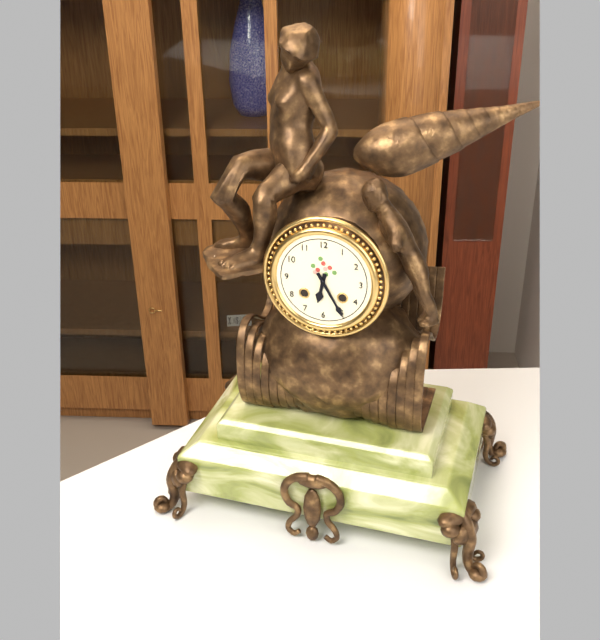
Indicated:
6,25
